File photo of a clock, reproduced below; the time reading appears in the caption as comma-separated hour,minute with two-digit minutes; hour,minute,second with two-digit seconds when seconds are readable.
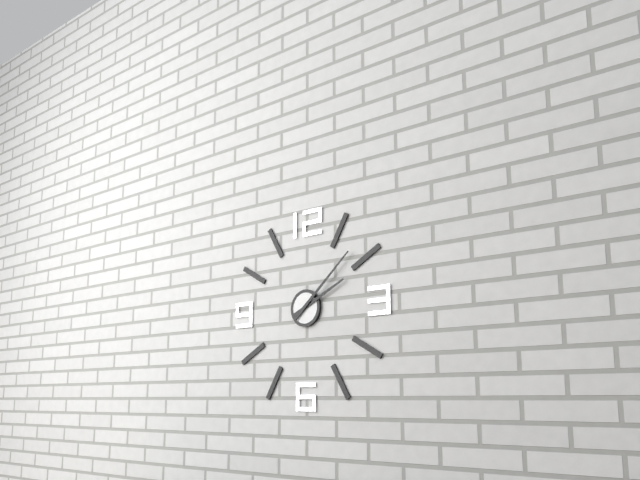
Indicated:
2,08
